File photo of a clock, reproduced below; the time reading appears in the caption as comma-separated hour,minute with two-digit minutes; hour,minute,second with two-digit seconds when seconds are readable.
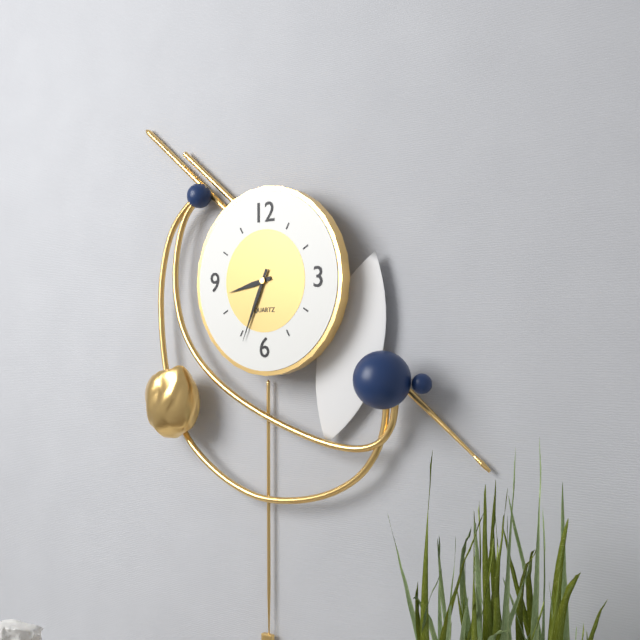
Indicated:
8,34
